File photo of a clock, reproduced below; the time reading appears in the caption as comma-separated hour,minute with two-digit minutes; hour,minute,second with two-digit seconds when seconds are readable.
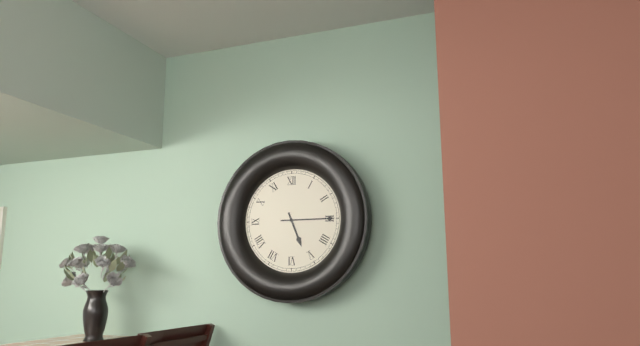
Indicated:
5,15
